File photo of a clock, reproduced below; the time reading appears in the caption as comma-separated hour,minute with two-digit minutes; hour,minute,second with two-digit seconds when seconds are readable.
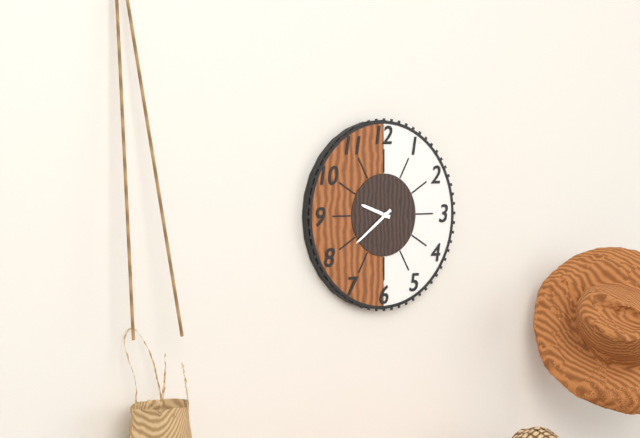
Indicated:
9,39
